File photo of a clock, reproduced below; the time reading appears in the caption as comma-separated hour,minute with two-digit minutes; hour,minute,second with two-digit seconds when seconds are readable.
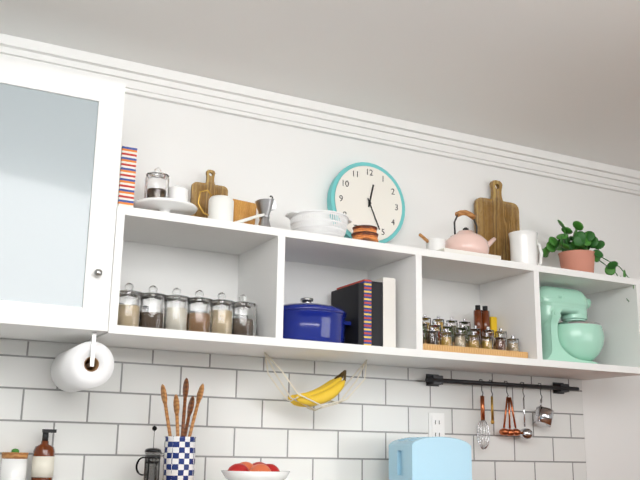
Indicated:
12,26
